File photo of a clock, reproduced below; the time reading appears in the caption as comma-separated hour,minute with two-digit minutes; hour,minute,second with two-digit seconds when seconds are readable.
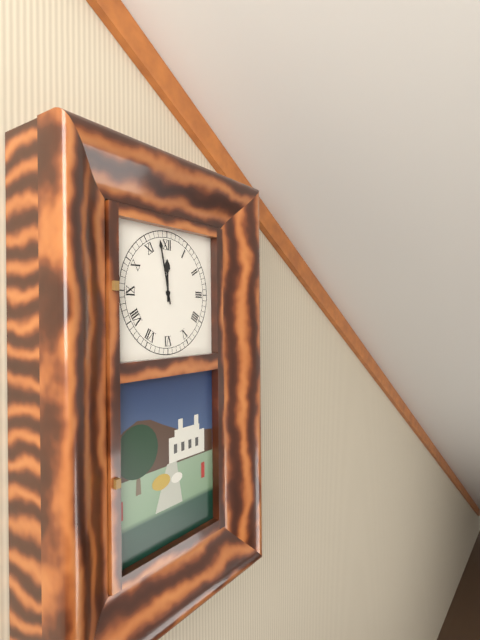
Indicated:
11,58
